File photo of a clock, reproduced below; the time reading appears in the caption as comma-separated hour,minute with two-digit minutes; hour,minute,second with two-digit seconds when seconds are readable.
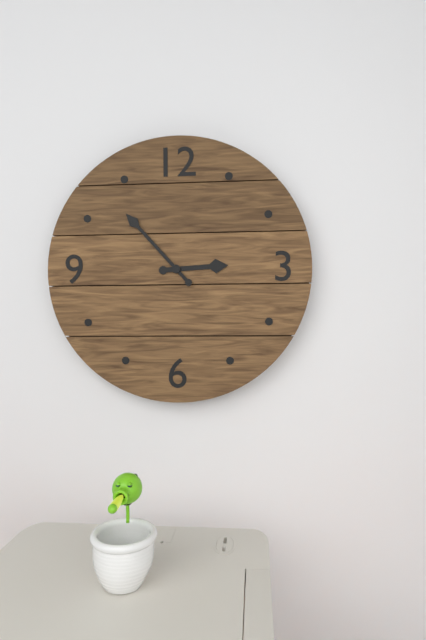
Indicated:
2,53
